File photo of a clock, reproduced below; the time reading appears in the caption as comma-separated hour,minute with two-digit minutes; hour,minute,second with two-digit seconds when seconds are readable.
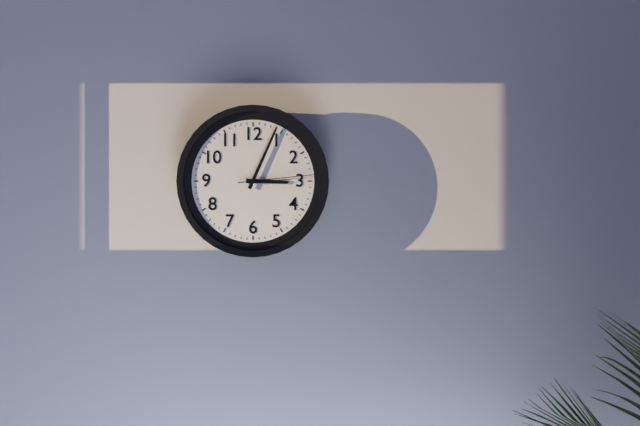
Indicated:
3,04,14
